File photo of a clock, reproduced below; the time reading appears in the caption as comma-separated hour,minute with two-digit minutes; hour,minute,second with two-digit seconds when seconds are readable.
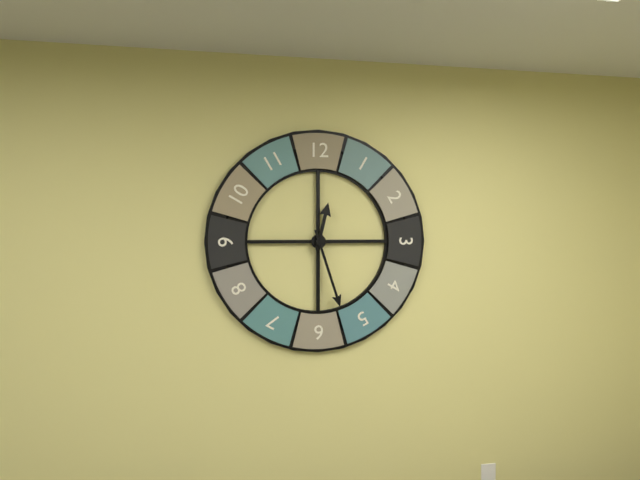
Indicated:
12,27
